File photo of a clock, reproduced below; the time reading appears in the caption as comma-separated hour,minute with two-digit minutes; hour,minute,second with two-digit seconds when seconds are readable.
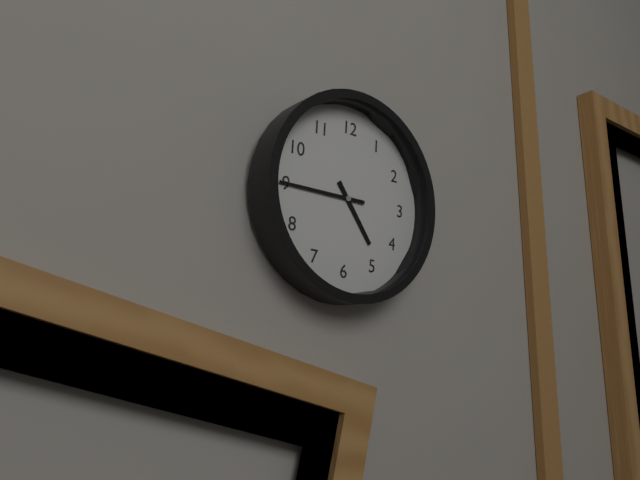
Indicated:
4,45
